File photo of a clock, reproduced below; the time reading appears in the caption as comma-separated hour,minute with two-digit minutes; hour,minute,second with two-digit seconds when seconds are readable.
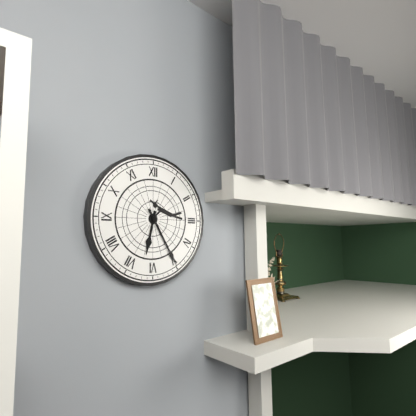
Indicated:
6,25
